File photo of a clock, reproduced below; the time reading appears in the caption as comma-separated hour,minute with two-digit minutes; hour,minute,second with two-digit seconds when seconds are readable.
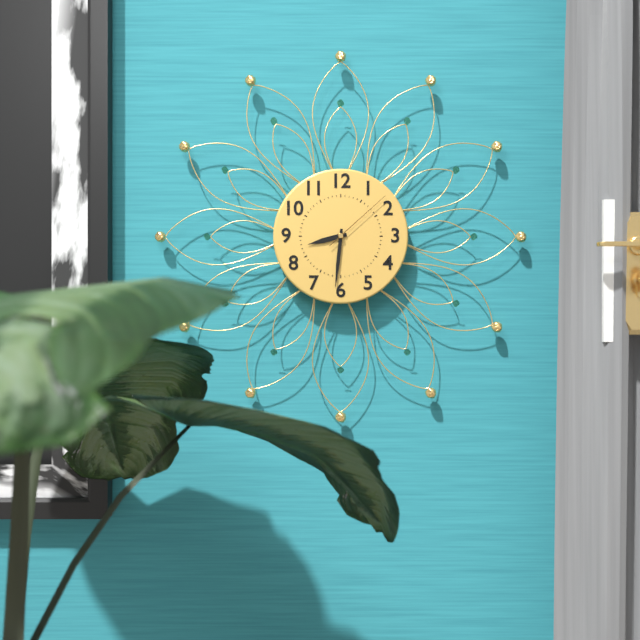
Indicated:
8,31,08
